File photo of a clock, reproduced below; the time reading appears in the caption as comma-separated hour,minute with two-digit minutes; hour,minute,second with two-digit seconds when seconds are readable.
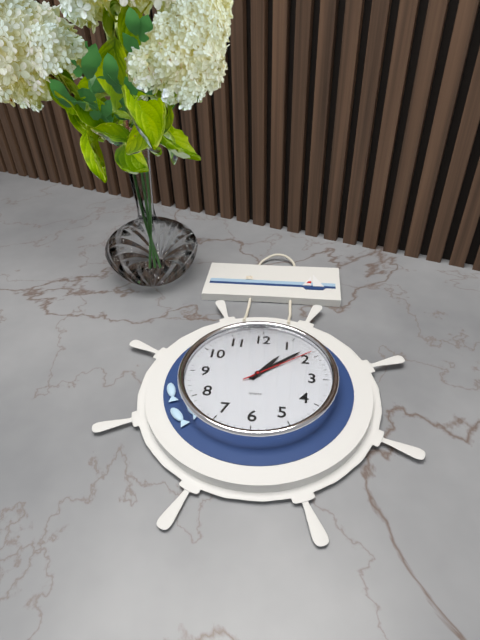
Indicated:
1,08,09
